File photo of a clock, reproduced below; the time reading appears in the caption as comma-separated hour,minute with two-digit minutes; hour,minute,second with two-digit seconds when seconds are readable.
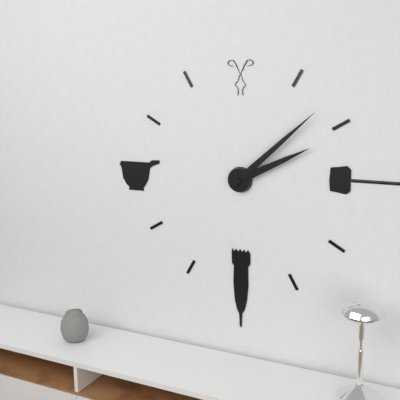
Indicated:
2,08
